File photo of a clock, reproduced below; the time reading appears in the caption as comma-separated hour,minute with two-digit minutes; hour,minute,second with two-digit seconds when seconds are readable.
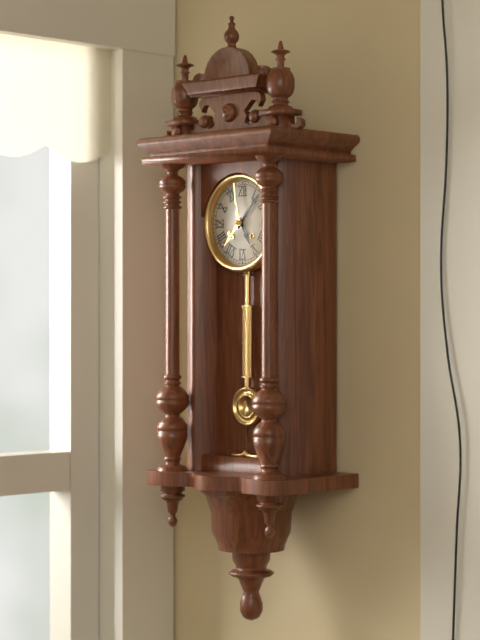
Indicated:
5,07
